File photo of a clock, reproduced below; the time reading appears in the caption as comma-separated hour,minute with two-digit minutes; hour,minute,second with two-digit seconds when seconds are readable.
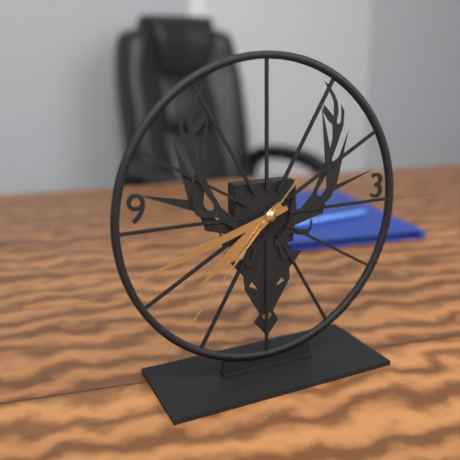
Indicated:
7,42,37
